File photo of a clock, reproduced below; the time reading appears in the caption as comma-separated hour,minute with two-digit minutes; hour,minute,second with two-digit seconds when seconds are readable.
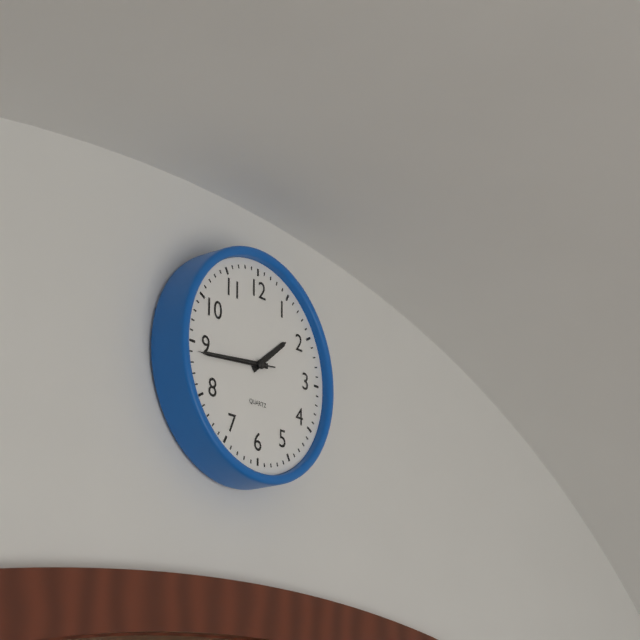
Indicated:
1,44,44
